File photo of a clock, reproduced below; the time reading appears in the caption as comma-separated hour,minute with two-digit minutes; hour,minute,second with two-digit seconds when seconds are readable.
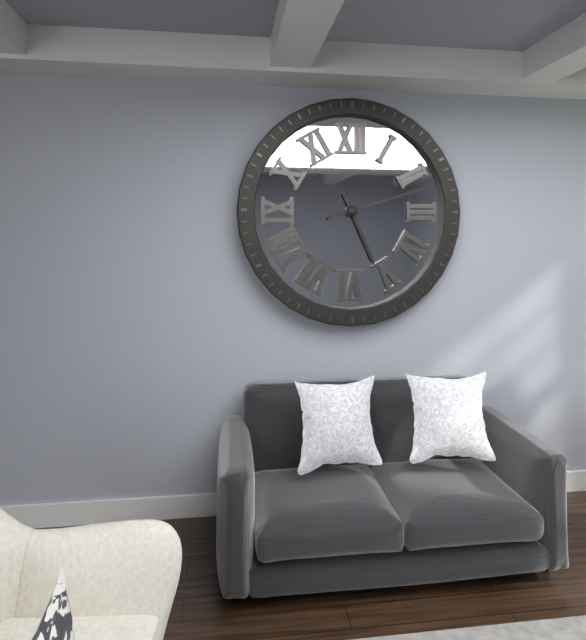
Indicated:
5,12
